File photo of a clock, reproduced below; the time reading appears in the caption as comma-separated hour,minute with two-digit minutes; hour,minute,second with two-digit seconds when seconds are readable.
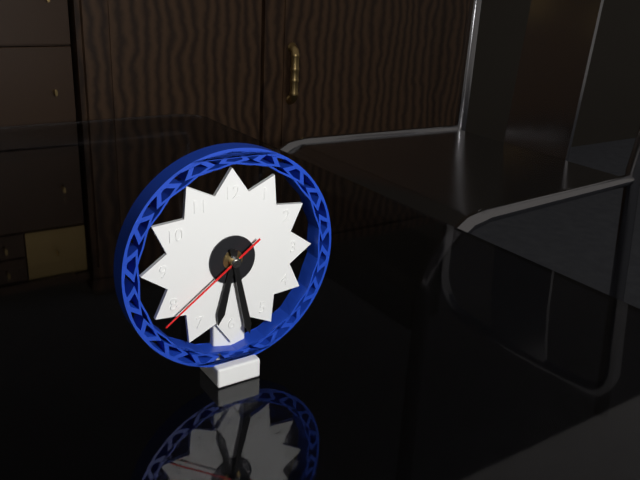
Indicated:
6,28,39
